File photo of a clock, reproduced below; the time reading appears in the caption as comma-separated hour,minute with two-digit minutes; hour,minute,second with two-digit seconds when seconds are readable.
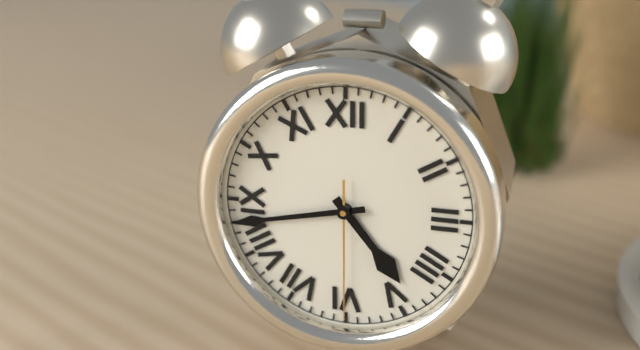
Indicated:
4,43,30
